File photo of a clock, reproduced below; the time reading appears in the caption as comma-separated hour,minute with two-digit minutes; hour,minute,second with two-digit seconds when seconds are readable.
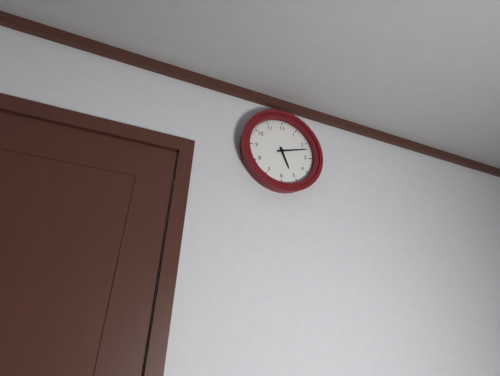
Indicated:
5,12
